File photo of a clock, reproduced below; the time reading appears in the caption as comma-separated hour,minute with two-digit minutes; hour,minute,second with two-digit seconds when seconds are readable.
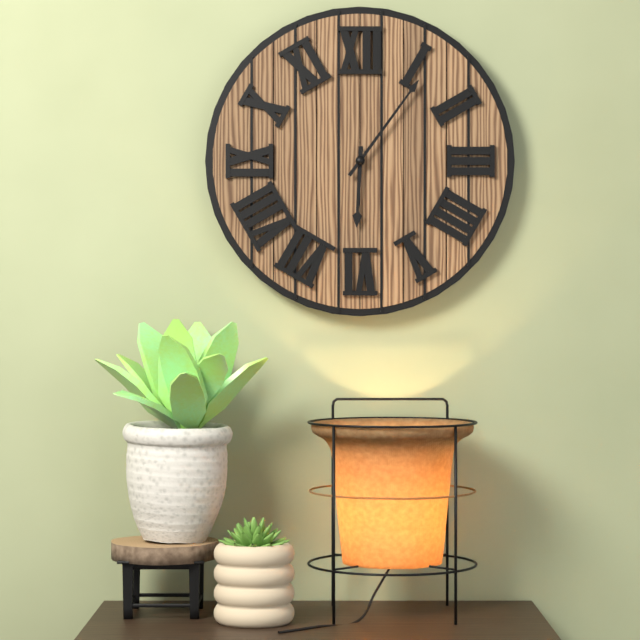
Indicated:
6,06
